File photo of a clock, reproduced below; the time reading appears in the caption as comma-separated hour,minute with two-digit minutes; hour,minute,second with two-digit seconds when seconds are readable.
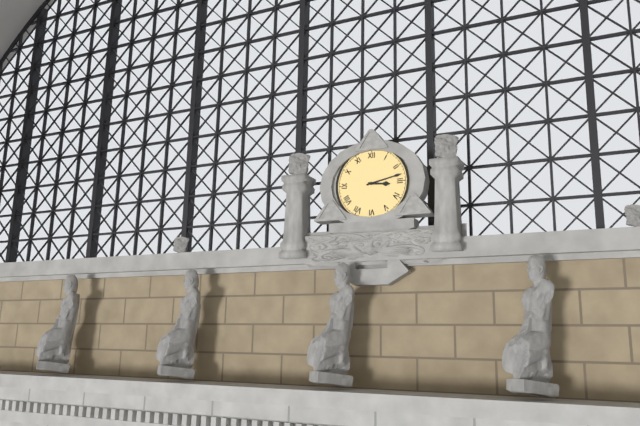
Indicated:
3,13
